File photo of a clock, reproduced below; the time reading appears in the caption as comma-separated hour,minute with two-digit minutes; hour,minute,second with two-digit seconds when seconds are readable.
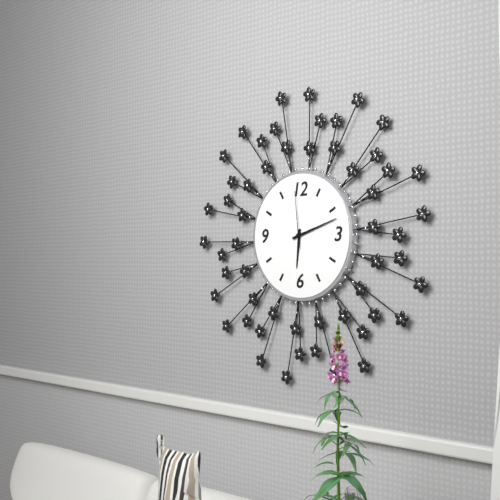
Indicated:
6,12,59
